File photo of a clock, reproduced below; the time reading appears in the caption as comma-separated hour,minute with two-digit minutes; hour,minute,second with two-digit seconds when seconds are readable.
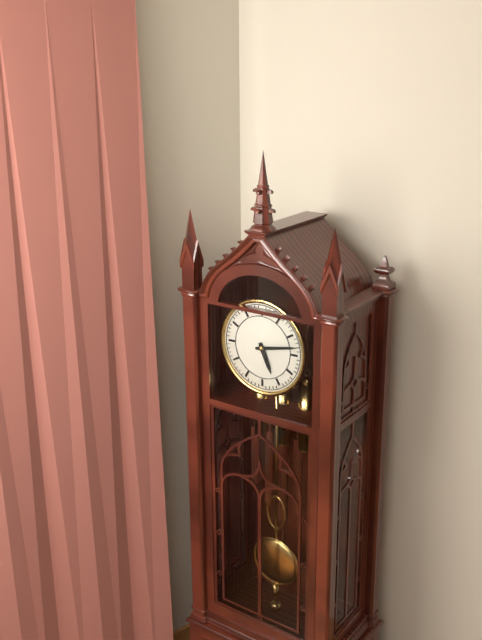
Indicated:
5,13
